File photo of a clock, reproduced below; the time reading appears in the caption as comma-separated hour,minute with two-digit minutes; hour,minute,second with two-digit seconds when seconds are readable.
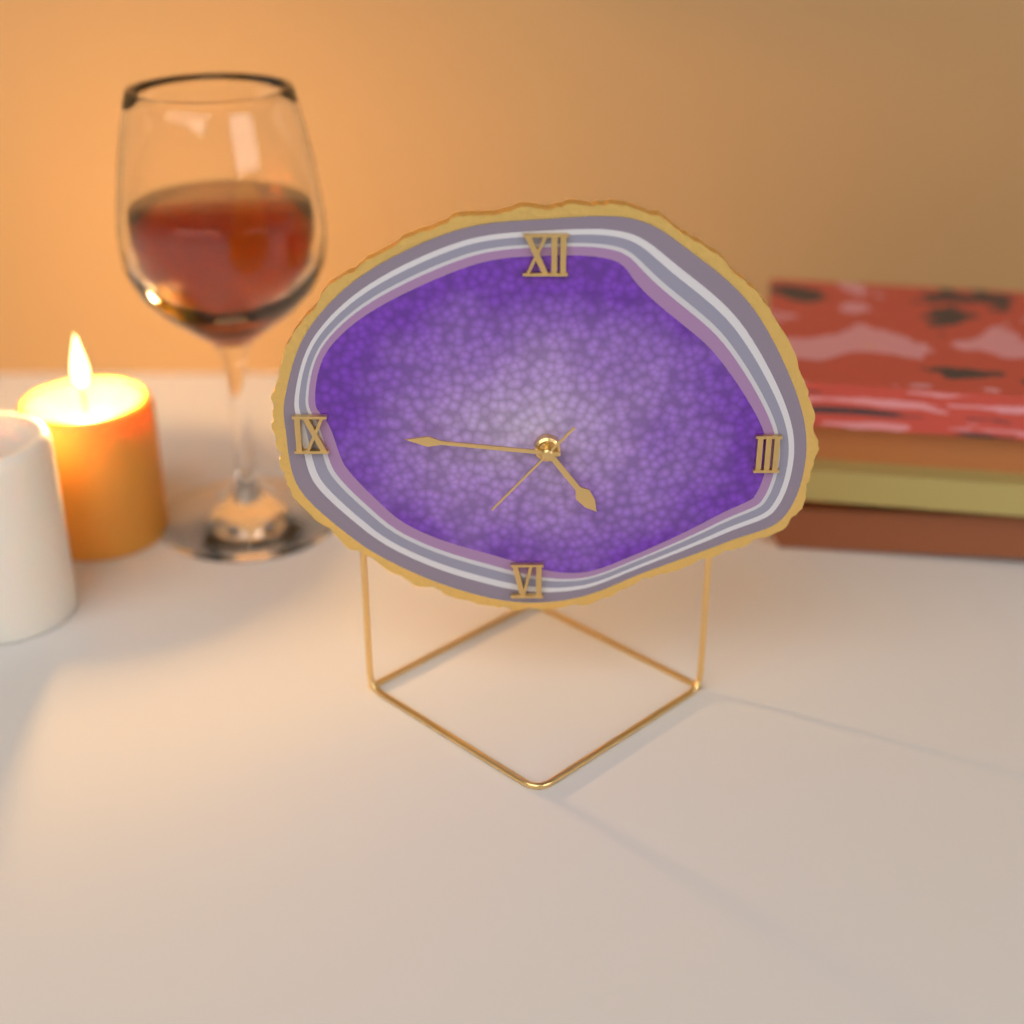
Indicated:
4,46,37
